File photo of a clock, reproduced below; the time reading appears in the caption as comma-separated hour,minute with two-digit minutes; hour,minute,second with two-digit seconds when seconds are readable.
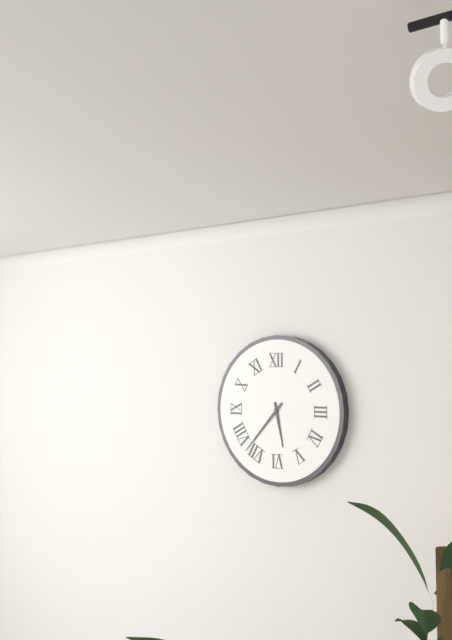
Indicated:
5,37
